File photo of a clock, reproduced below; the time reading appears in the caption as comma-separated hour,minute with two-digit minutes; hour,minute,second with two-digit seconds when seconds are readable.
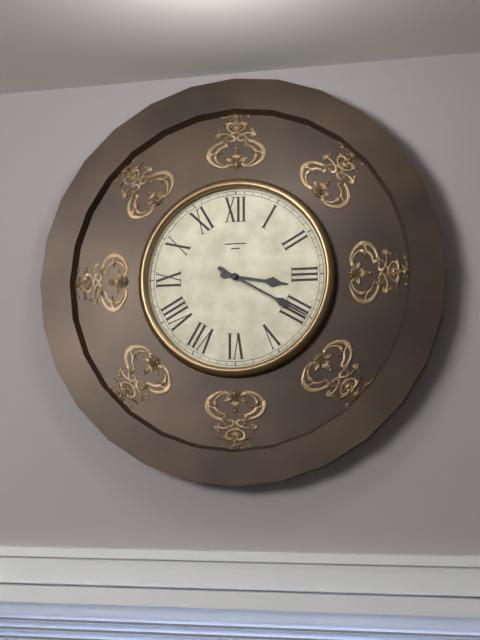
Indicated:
3,20
